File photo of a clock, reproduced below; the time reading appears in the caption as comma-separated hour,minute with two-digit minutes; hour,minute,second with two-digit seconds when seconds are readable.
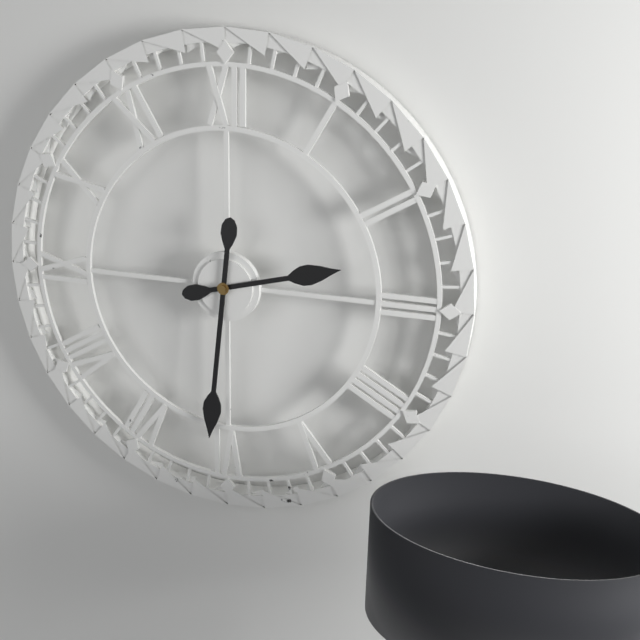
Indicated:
2,31
